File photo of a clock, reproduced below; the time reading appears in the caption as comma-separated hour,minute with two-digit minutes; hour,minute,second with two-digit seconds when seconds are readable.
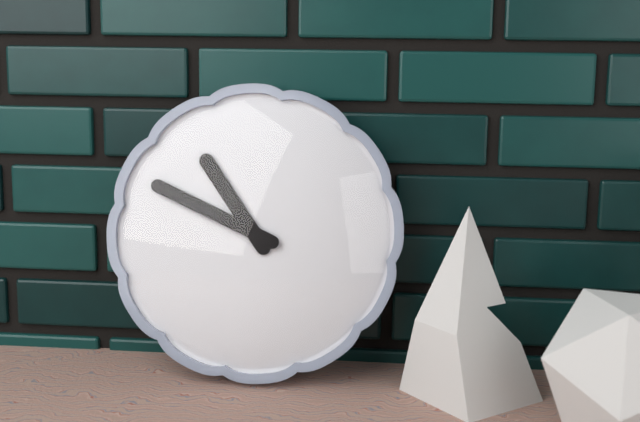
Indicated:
10,49
